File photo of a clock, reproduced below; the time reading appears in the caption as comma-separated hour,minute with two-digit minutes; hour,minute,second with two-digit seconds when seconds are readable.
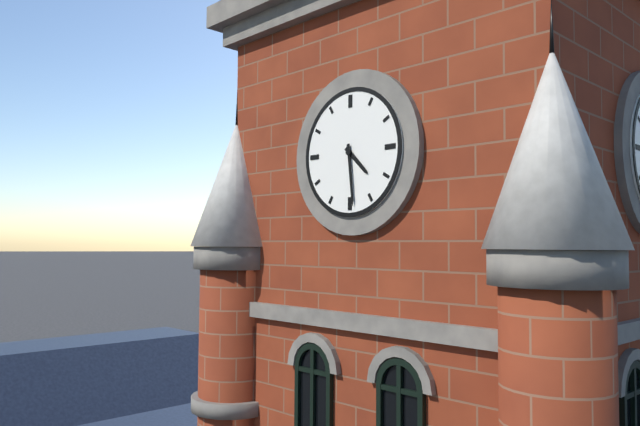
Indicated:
4,29
